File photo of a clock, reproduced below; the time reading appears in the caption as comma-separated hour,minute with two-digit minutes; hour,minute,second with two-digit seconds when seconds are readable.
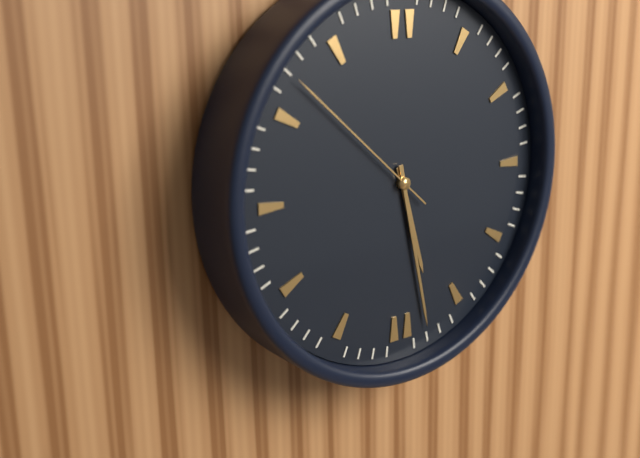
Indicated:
5,28,52
